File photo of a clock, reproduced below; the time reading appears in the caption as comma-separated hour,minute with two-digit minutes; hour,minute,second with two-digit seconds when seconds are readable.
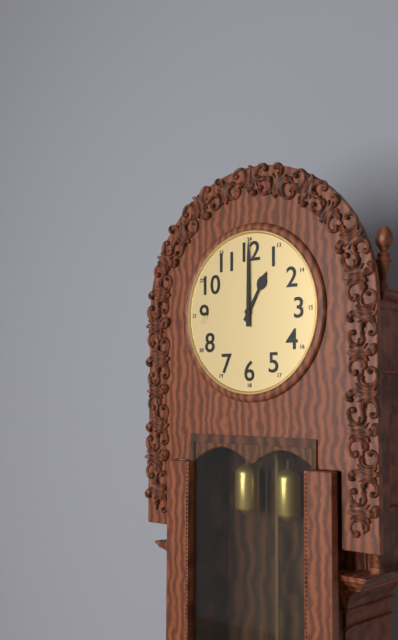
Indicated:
1,00
